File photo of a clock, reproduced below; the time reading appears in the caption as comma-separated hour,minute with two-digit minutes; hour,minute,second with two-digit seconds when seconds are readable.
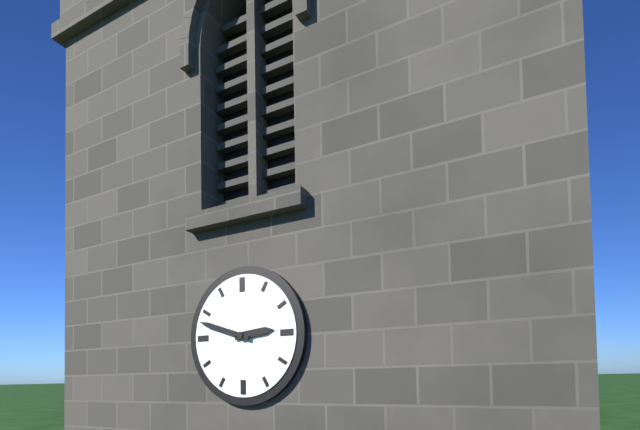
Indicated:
2,48
